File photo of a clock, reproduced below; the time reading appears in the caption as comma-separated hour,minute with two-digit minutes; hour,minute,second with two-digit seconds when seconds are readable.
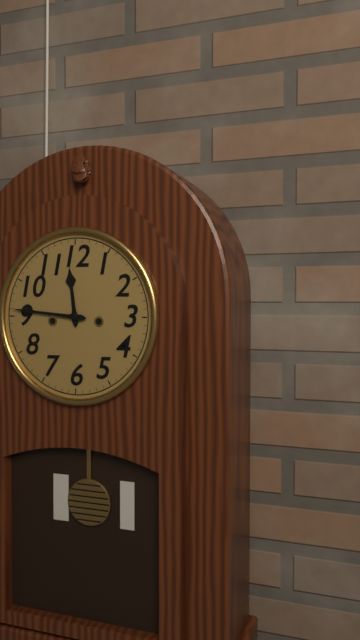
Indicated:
11,46
